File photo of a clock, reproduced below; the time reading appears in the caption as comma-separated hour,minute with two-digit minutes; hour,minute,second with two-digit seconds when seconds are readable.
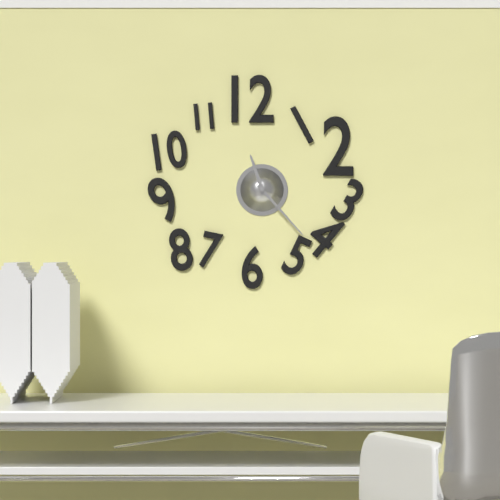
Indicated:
11,23
